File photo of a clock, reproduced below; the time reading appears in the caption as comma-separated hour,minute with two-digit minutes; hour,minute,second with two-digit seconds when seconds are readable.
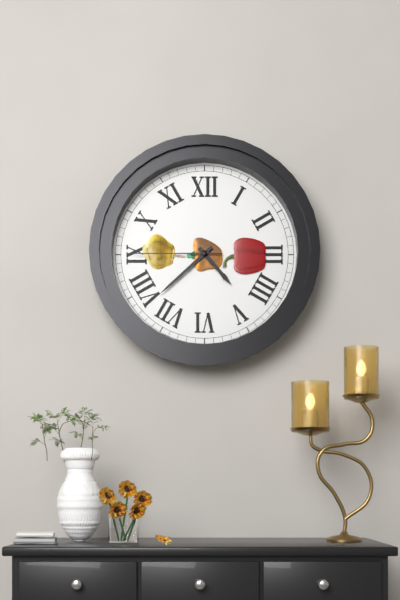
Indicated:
4,38,45
